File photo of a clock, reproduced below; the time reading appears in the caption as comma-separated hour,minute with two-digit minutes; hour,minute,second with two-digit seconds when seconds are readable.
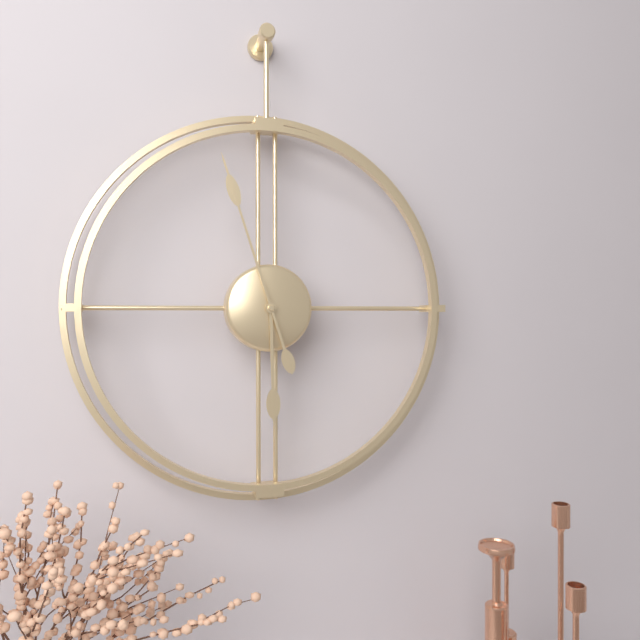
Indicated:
5,57
